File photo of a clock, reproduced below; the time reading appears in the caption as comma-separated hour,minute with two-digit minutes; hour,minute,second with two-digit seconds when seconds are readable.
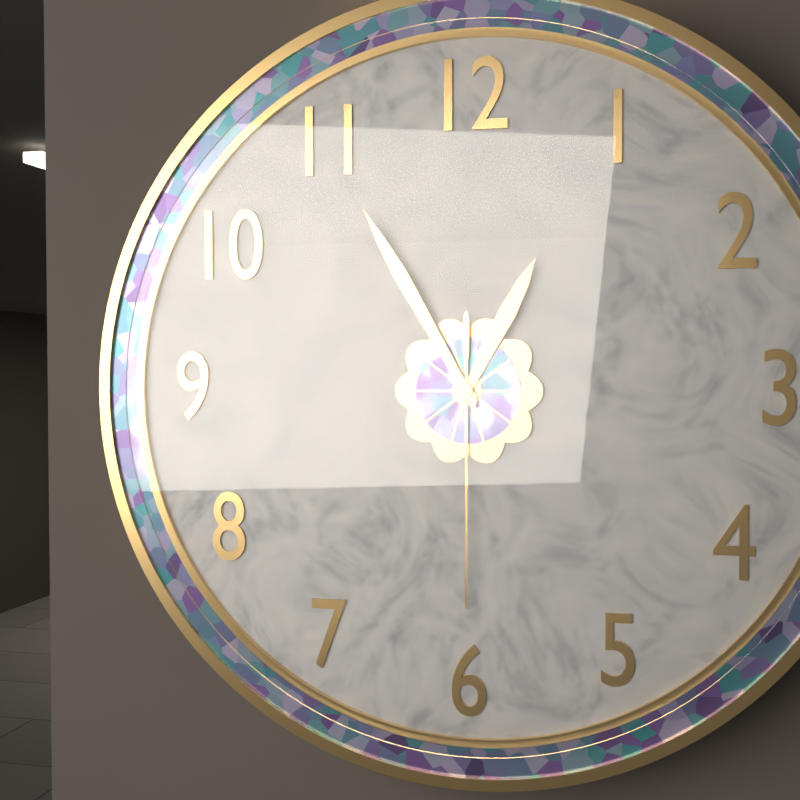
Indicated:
12,55,30
